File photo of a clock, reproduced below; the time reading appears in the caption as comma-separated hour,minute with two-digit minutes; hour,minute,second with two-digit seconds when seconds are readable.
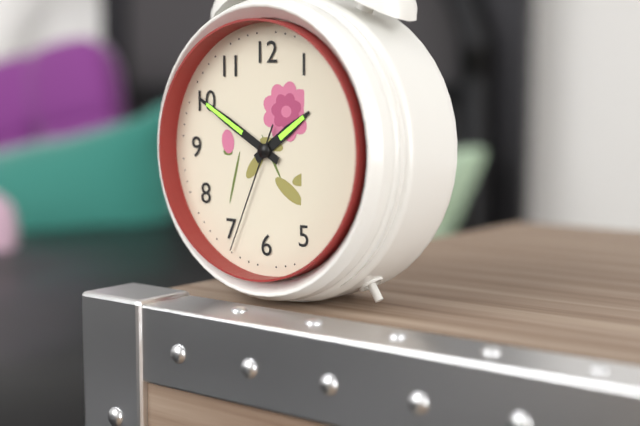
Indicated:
1,50,34
